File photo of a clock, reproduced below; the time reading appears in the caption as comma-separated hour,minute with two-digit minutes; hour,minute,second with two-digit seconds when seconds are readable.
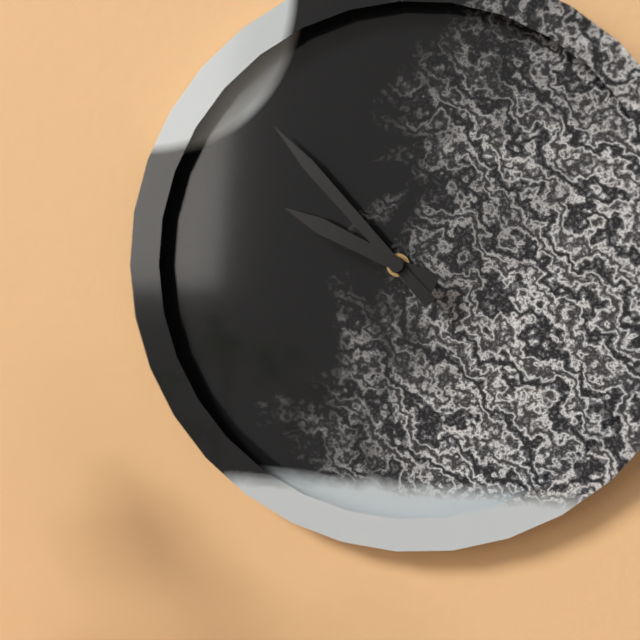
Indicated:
9,53
